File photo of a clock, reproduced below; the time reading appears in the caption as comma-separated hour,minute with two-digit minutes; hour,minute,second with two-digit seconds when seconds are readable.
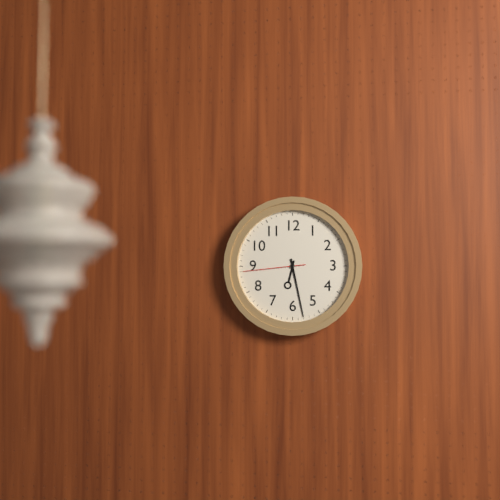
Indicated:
6,28,44
